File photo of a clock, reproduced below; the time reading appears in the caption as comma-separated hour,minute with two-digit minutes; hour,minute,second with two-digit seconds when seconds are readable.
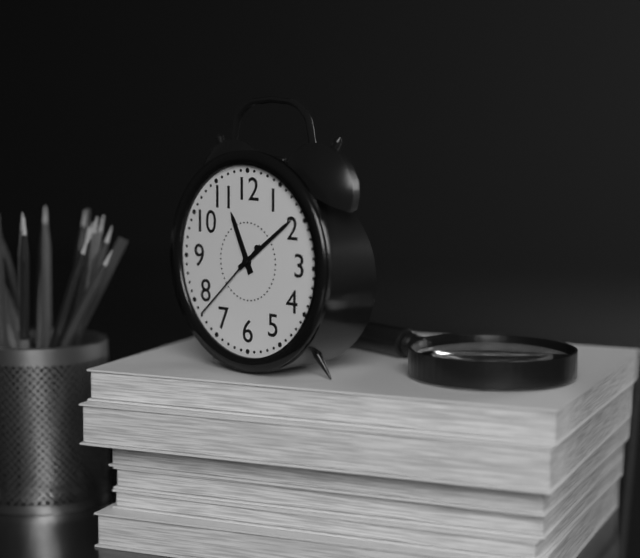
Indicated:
11,09,38
